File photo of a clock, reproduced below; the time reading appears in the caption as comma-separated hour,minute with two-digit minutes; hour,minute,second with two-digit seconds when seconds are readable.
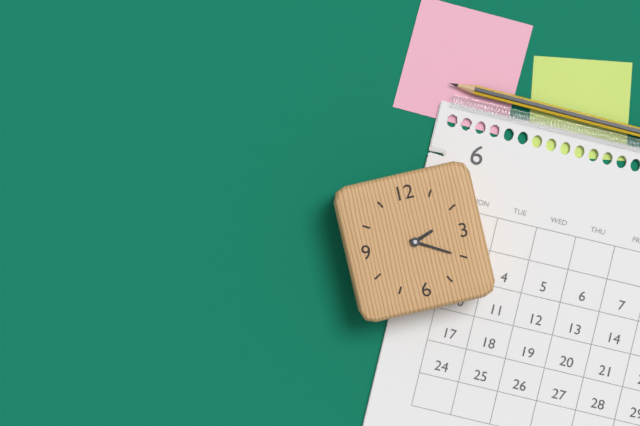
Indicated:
2,20
